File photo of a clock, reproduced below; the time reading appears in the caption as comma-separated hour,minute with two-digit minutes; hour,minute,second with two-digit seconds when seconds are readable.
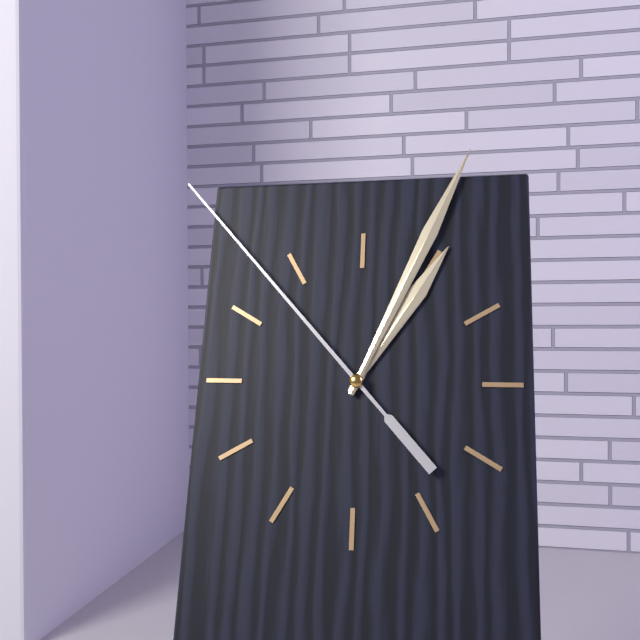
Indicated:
1,04,53
